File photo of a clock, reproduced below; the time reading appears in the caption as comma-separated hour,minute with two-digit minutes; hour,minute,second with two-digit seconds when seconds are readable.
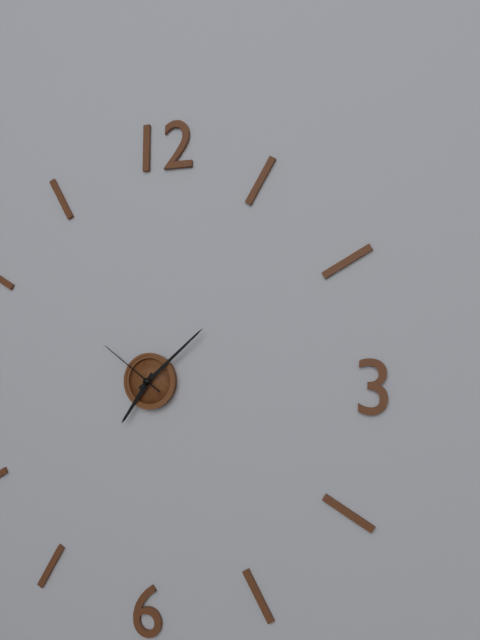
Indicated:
7,08,51
